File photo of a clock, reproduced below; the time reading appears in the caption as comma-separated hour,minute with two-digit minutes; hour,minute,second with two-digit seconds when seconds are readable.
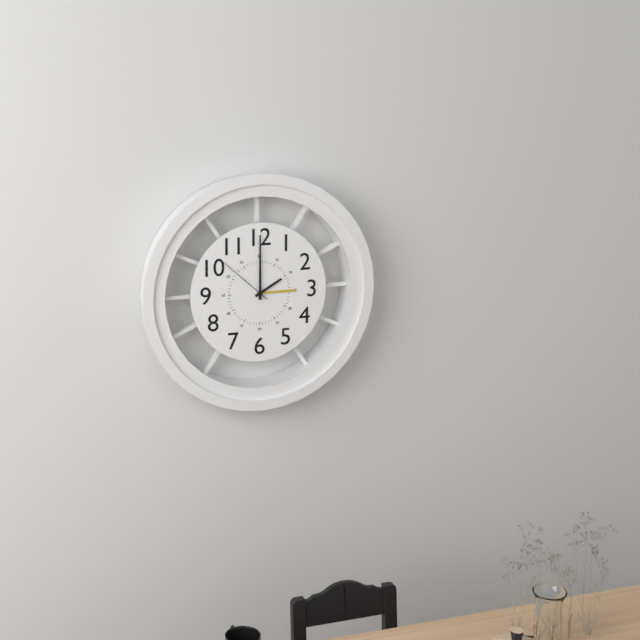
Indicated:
2,00,52
